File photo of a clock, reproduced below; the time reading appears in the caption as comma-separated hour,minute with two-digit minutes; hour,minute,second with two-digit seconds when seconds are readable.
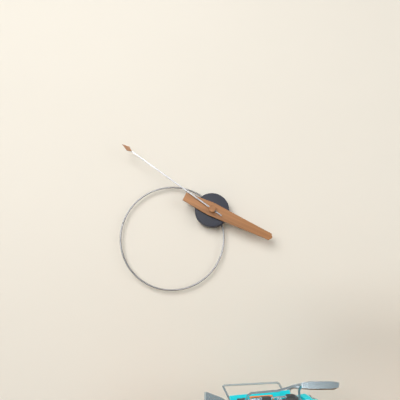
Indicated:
3,51
